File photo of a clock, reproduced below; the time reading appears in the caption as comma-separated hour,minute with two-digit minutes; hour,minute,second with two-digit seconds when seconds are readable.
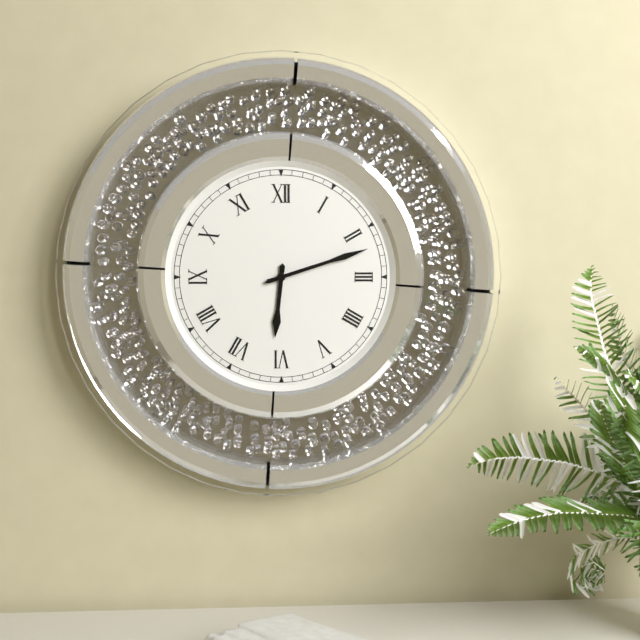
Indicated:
6,12
